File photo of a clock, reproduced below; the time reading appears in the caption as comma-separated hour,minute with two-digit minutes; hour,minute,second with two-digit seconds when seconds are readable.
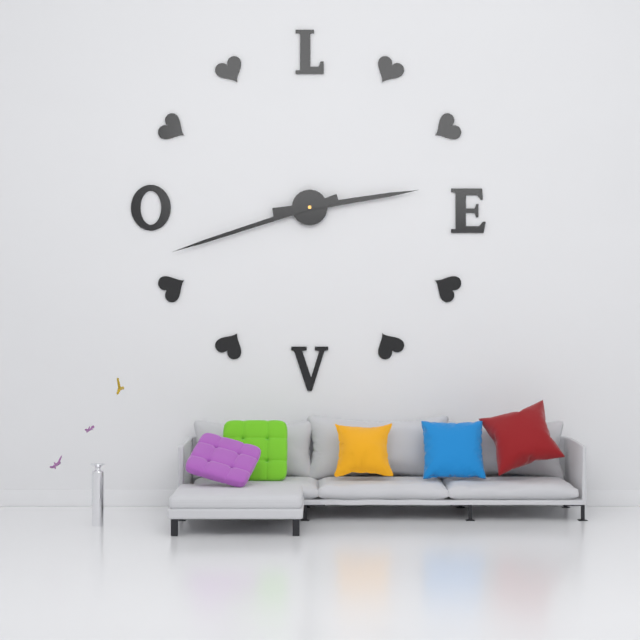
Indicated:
2,42
